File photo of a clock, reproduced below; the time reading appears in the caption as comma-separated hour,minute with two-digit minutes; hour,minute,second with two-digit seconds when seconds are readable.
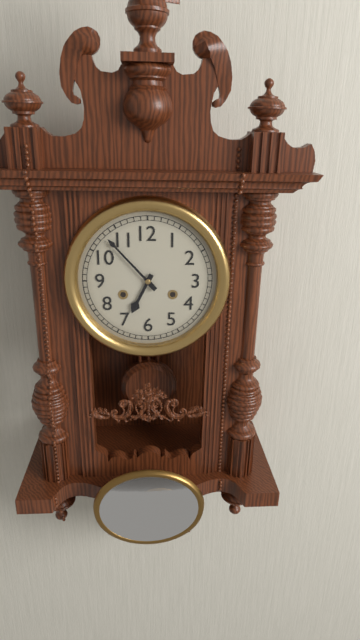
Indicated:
6,53
